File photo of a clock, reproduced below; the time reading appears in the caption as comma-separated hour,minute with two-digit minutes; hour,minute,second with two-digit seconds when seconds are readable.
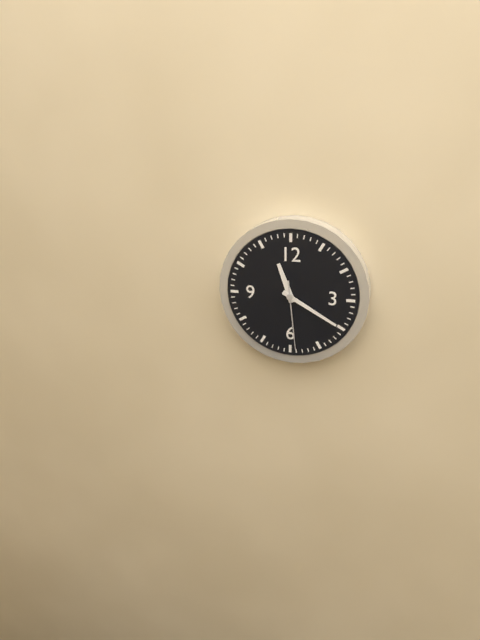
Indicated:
11,20,29
